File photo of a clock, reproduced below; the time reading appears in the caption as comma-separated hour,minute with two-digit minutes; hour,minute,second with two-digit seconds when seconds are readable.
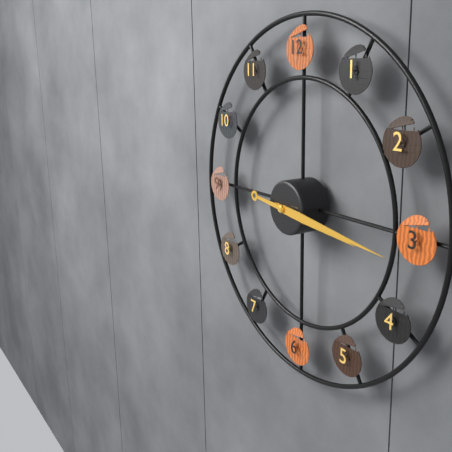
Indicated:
3,16
